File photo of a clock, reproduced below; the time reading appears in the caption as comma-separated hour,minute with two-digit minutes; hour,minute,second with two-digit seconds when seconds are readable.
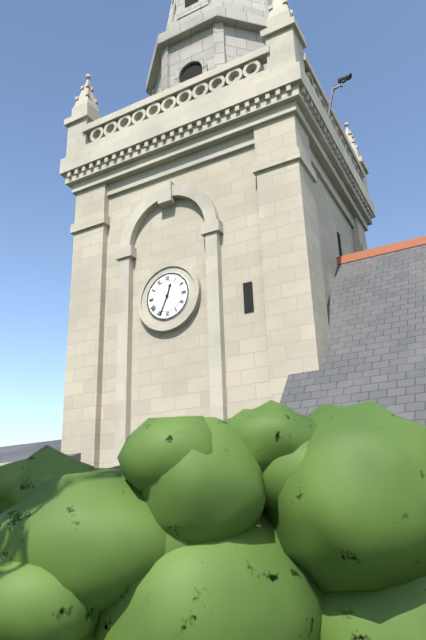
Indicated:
12,34
